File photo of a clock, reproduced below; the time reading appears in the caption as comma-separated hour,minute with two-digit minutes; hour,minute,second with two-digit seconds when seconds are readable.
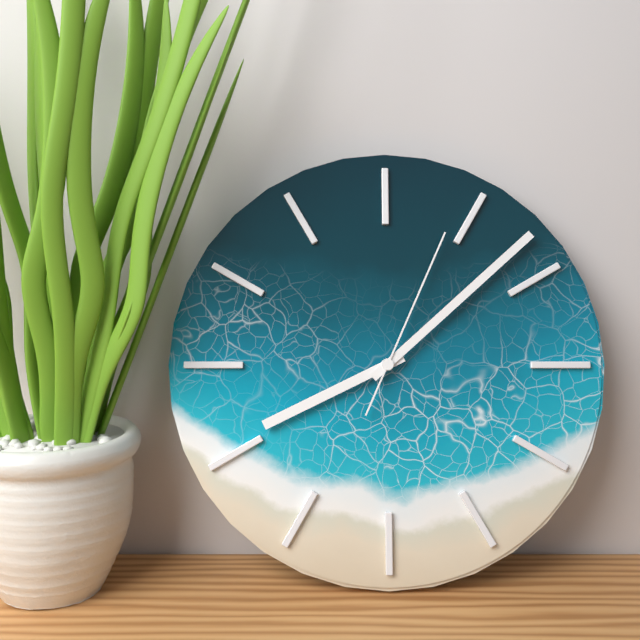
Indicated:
8,08,04
